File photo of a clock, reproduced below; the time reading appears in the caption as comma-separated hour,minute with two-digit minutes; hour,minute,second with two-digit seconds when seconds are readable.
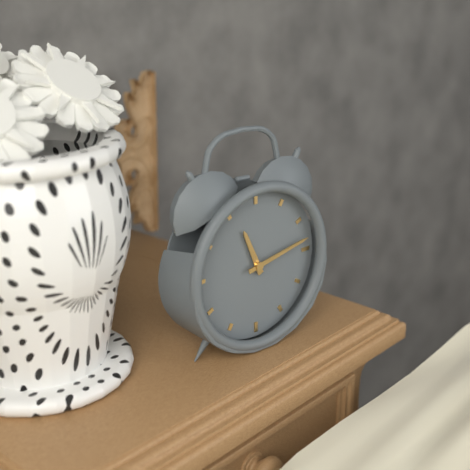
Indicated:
11,13
